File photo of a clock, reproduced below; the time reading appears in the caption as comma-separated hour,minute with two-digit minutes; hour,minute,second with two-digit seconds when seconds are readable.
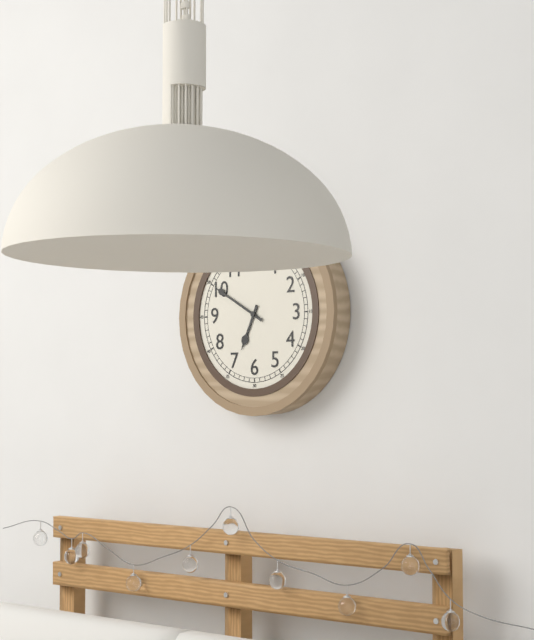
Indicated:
6,50
